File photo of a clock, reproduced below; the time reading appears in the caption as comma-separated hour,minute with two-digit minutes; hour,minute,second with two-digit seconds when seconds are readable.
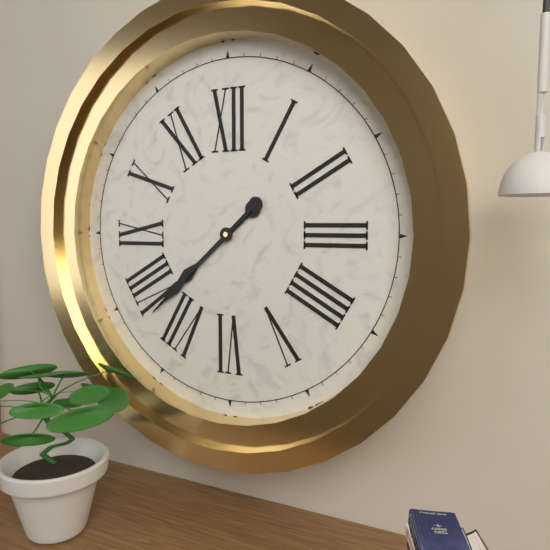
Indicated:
7,38
